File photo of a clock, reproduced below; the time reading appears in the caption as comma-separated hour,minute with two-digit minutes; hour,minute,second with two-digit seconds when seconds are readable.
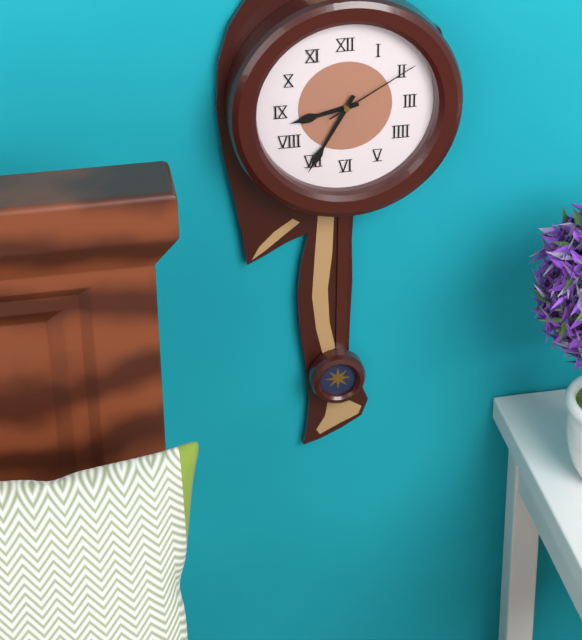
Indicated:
8,35,10
